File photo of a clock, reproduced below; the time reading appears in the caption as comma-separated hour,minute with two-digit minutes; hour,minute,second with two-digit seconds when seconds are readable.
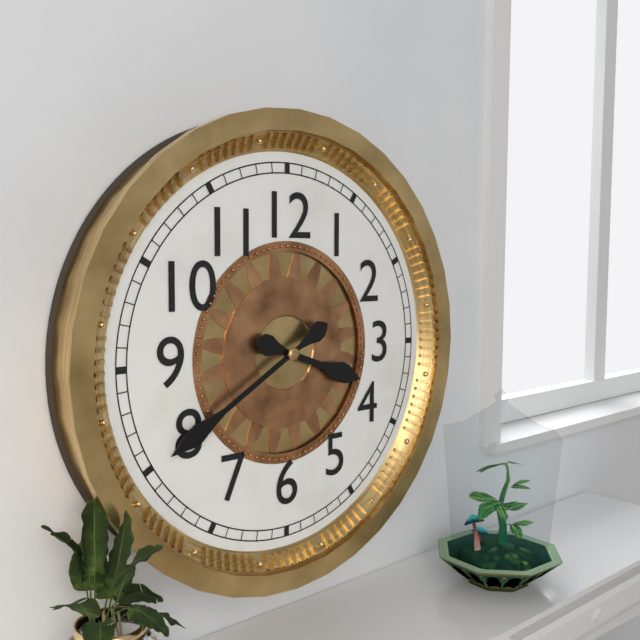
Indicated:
3,40
